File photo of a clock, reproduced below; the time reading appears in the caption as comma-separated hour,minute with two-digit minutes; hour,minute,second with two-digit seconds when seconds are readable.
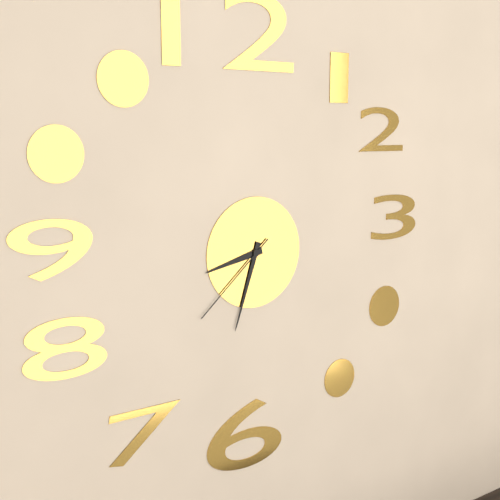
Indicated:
8,33,38
